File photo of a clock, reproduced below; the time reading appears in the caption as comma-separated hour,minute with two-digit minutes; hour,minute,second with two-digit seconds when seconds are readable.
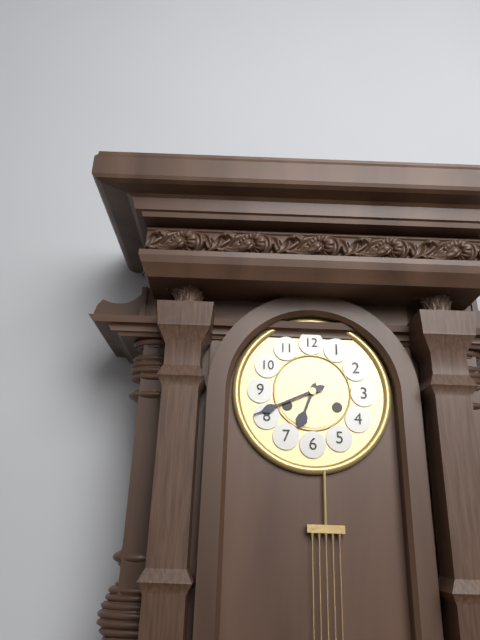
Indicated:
6,41
